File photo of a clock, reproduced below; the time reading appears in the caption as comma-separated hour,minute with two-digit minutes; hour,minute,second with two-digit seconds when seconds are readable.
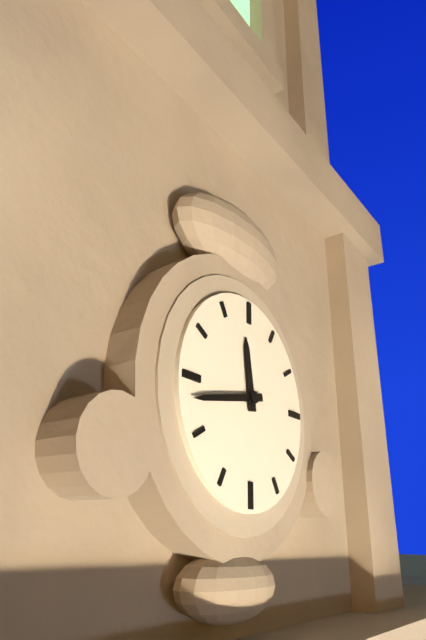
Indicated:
11,43
